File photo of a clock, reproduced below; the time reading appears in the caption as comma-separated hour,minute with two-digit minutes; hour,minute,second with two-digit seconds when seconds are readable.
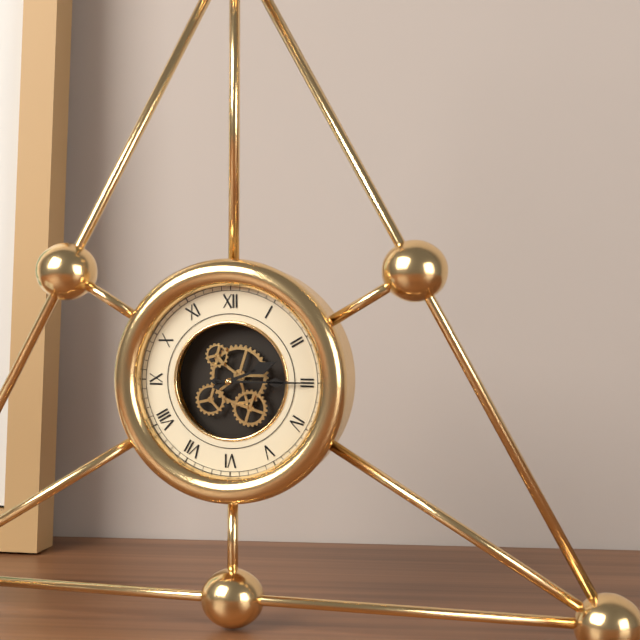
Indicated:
2,15
